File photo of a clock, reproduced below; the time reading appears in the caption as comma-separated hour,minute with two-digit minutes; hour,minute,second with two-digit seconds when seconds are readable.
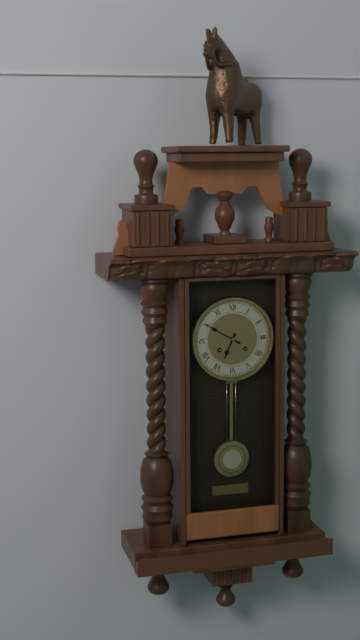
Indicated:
6,50
